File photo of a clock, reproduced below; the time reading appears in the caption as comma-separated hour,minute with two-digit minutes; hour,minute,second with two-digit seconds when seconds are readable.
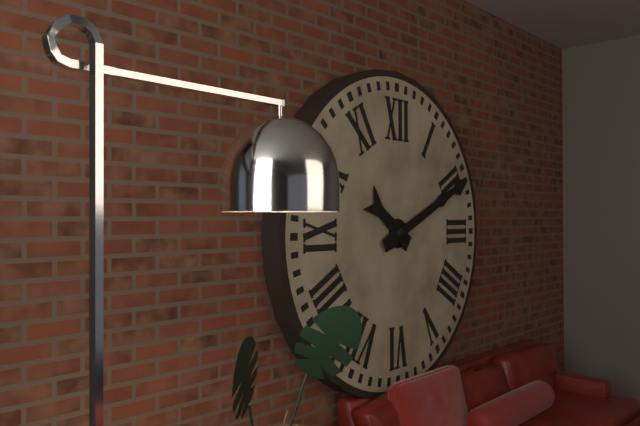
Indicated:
10,11
